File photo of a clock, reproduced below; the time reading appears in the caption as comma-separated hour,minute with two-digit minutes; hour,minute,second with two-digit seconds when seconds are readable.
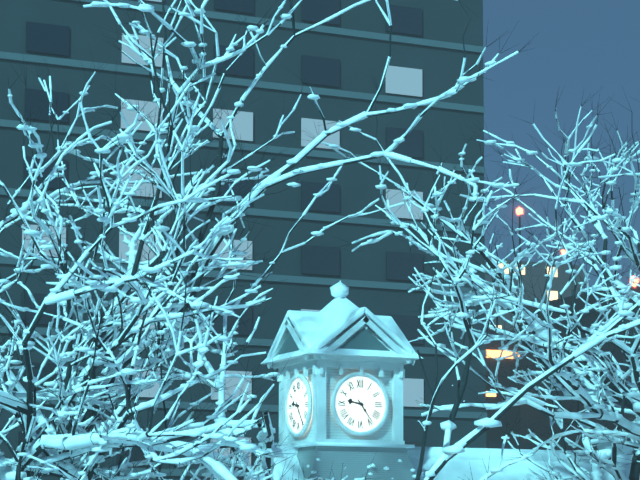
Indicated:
9,24
